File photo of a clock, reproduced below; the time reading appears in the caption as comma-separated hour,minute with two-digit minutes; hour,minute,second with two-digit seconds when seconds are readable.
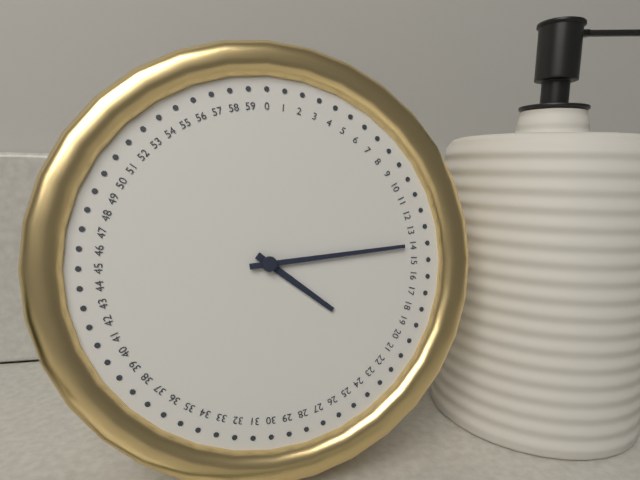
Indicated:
4,14
